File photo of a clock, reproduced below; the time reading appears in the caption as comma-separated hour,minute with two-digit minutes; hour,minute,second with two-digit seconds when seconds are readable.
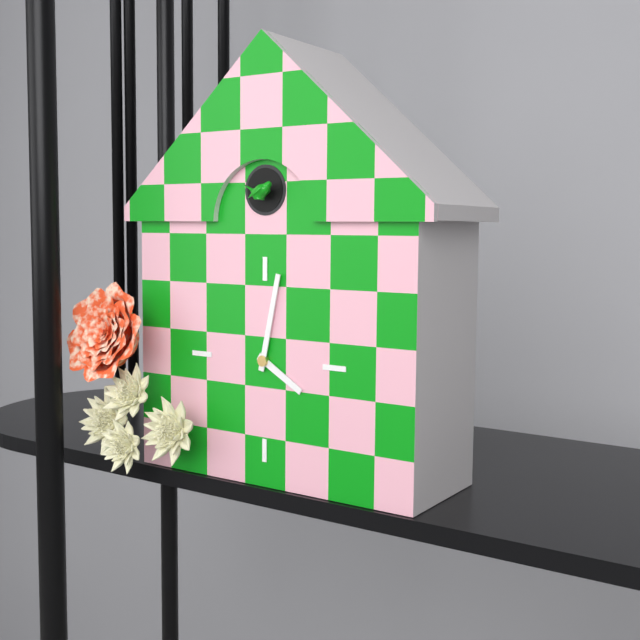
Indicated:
4,02
